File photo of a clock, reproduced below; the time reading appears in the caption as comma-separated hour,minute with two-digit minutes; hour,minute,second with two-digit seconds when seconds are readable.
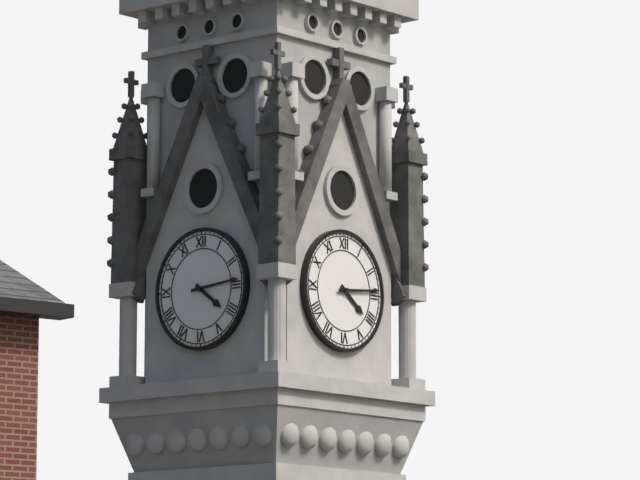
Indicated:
4,14
